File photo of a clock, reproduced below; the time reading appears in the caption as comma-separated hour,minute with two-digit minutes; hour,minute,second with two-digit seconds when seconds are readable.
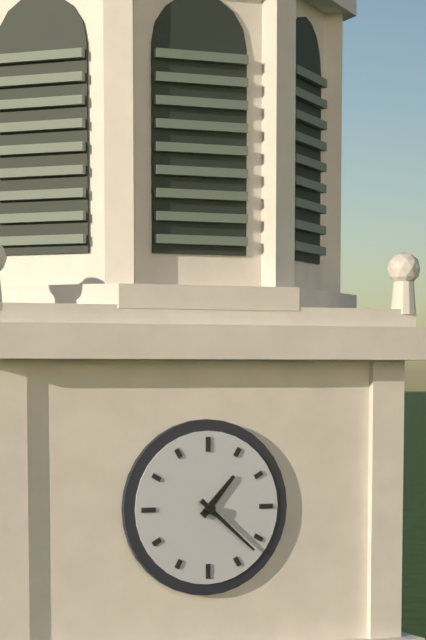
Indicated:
1,22
